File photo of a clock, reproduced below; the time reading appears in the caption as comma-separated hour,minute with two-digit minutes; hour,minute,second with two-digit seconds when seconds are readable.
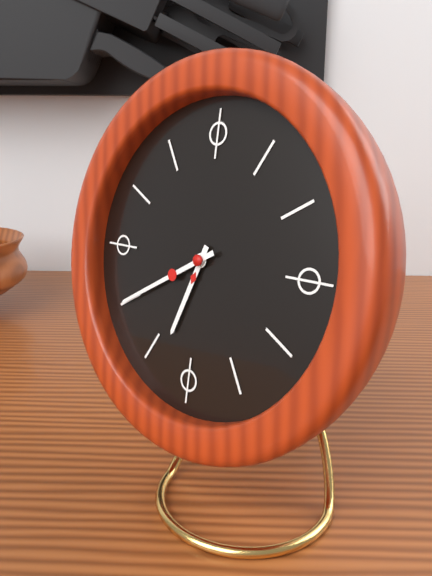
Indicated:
6,40
